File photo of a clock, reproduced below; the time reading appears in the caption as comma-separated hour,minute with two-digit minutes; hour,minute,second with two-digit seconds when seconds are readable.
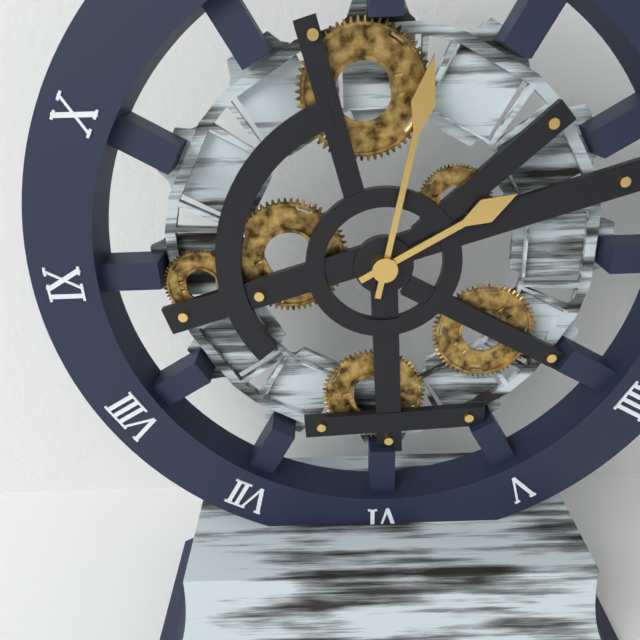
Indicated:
2,02
